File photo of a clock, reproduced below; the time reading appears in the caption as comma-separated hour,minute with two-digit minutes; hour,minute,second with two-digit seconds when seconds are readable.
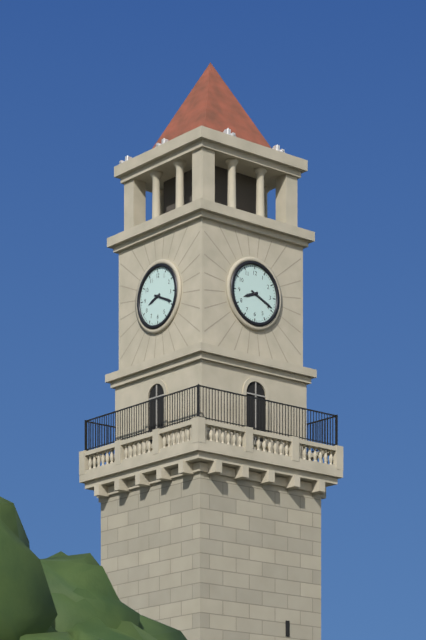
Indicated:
8,19
